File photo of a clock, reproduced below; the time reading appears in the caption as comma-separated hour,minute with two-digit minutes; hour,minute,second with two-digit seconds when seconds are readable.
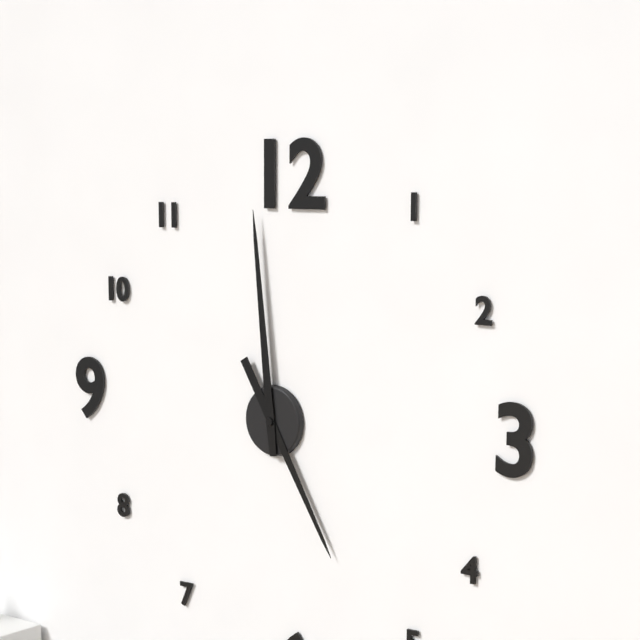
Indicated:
4,59
